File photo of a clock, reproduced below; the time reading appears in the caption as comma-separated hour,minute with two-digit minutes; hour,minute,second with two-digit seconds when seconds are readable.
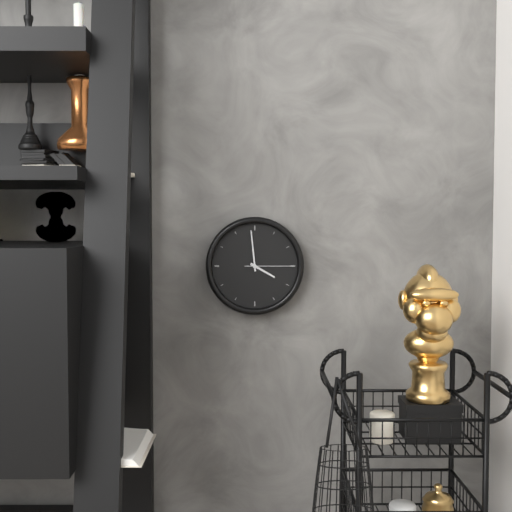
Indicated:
3,59
